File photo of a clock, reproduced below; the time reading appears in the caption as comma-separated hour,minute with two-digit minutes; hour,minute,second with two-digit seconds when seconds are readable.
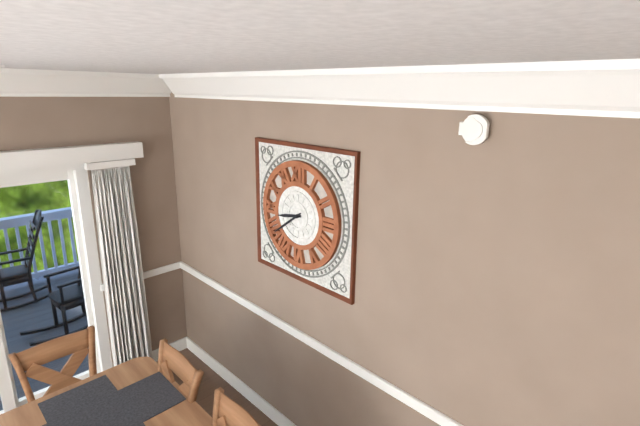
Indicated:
8,39
